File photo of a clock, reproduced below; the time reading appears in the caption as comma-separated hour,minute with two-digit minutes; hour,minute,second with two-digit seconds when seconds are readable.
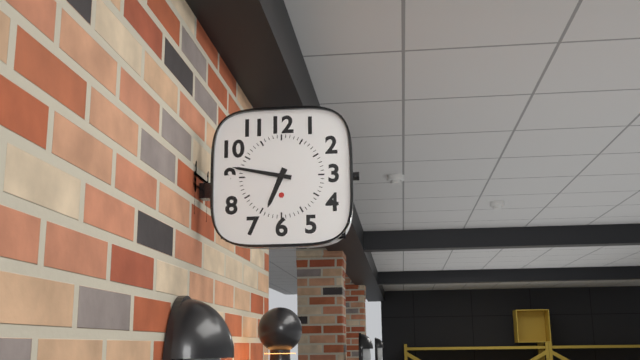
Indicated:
6,47
